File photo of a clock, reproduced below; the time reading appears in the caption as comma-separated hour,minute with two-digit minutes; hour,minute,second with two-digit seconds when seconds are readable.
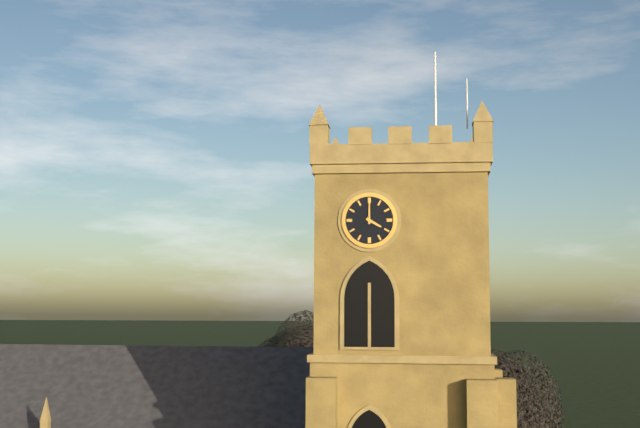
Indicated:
4,00
